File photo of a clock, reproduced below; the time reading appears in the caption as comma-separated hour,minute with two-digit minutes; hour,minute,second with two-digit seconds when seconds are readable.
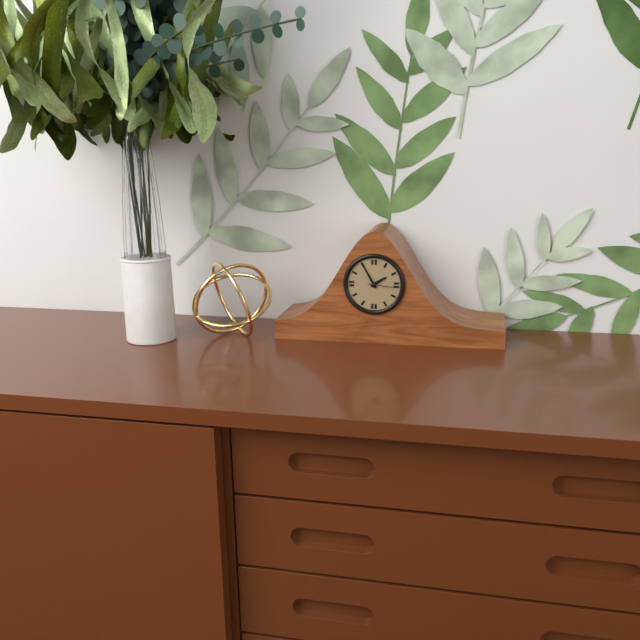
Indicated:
1,55
